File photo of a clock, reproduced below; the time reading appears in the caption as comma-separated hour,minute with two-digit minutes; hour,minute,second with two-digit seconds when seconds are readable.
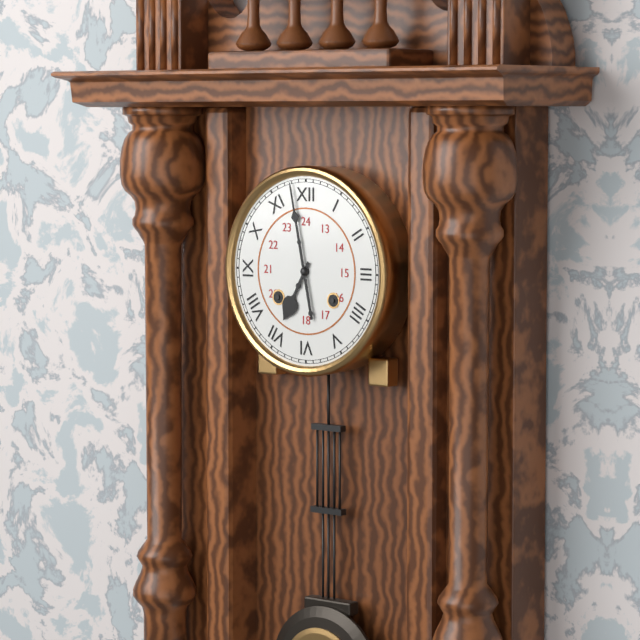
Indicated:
6,58
